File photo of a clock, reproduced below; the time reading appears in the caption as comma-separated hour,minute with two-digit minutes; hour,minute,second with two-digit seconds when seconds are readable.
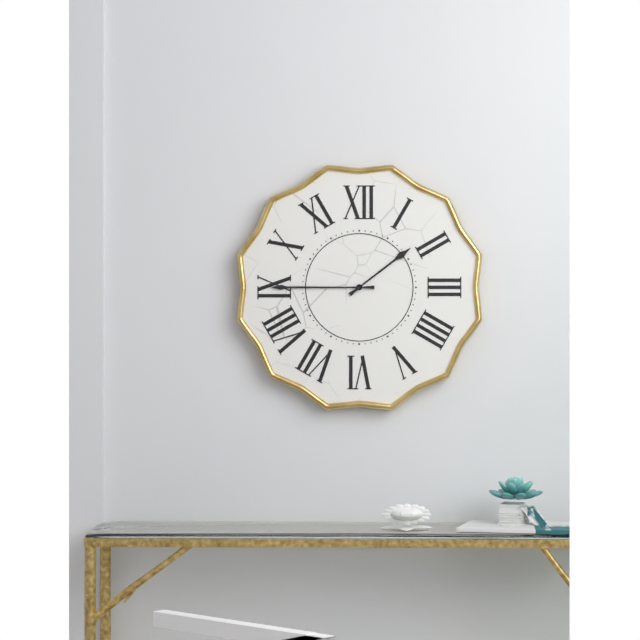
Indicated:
1,45
